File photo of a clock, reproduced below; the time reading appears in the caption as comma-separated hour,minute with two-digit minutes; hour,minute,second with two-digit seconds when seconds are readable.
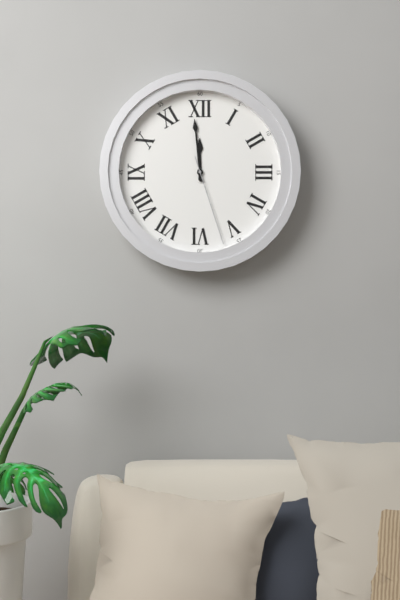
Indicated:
11,59,27
